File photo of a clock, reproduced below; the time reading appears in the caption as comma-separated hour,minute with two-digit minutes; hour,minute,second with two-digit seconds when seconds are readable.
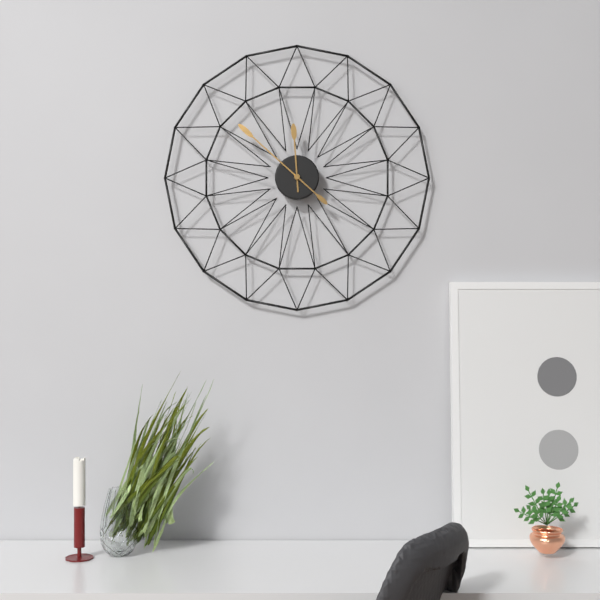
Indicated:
11,52
